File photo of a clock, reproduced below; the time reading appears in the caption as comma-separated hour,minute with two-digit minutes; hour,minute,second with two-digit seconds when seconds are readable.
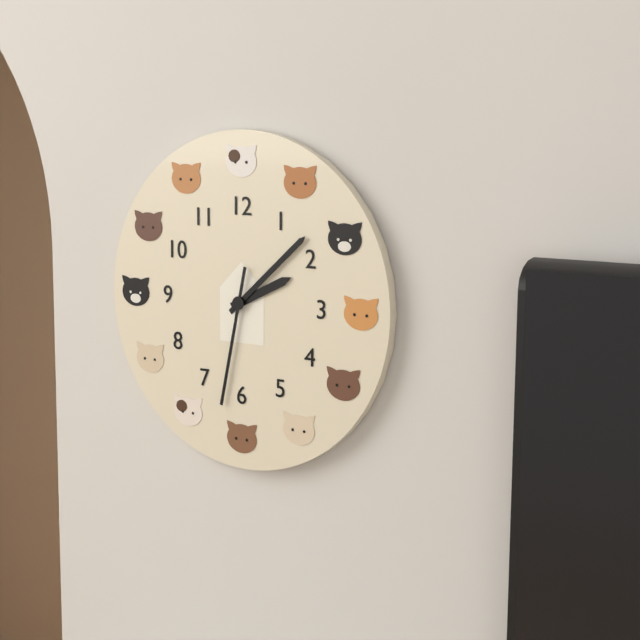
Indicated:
2,08,32
